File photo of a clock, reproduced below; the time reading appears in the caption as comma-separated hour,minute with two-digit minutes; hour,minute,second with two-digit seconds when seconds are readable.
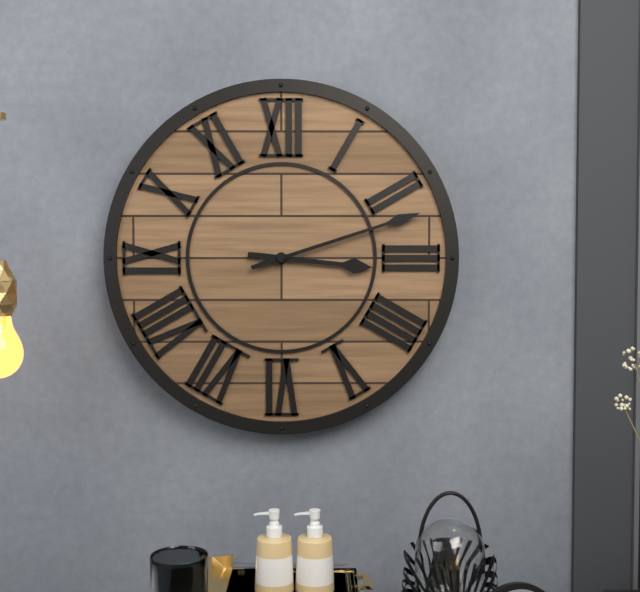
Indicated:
3,12
